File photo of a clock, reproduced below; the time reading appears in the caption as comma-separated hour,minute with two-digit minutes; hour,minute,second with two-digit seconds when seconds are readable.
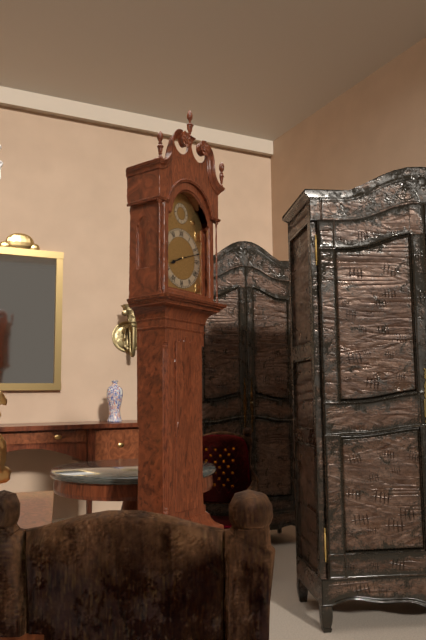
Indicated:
8,12
